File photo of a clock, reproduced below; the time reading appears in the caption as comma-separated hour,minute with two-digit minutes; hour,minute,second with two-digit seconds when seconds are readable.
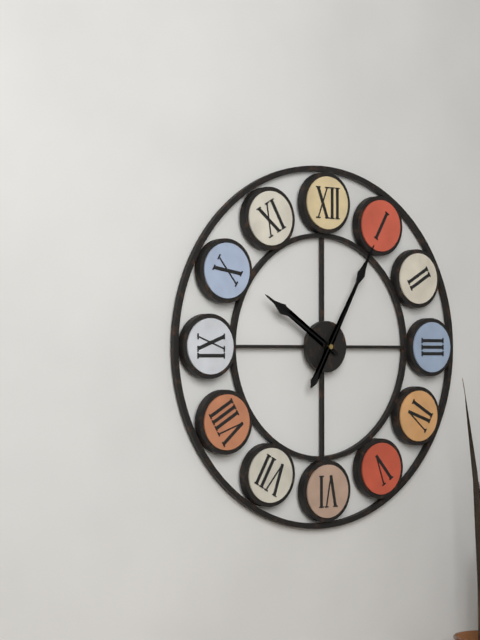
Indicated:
10,05
